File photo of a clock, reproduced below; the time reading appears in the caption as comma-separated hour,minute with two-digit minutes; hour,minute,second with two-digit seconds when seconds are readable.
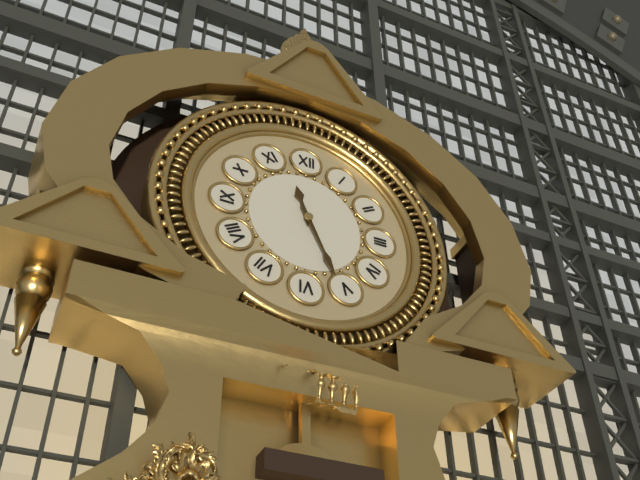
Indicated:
11,26
